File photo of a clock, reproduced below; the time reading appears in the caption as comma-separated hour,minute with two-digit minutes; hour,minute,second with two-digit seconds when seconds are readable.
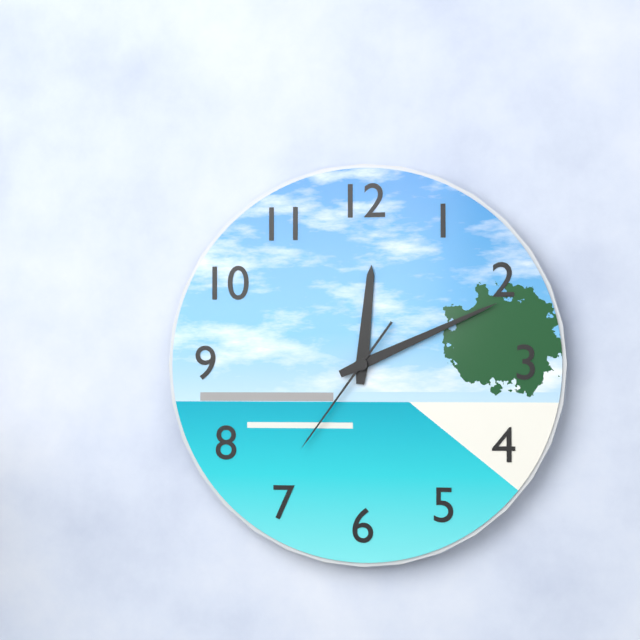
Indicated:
12,11,36
